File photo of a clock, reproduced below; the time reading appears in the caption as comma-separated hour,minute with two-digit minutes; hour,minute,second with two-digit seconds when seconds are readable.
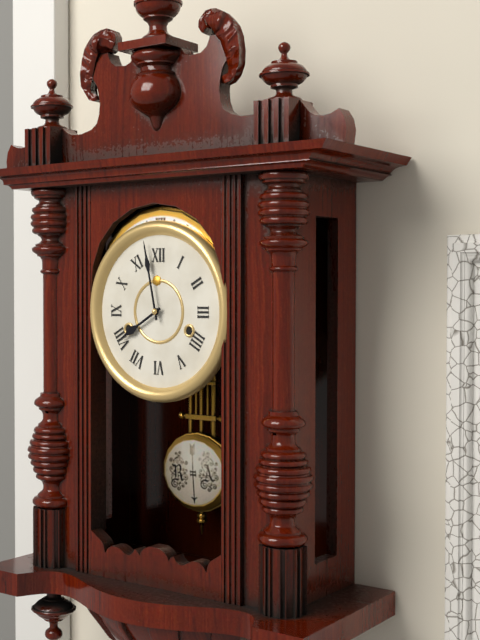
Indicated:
7,58
